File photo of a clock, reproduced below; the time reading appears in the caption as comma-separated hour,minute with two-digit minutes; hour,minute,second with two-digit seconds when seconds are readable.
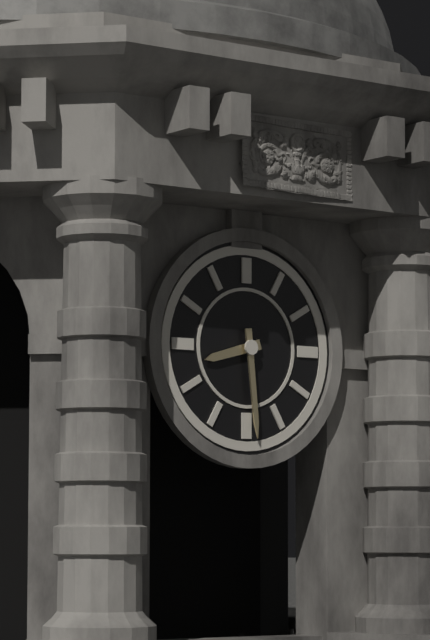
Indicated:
8,29
